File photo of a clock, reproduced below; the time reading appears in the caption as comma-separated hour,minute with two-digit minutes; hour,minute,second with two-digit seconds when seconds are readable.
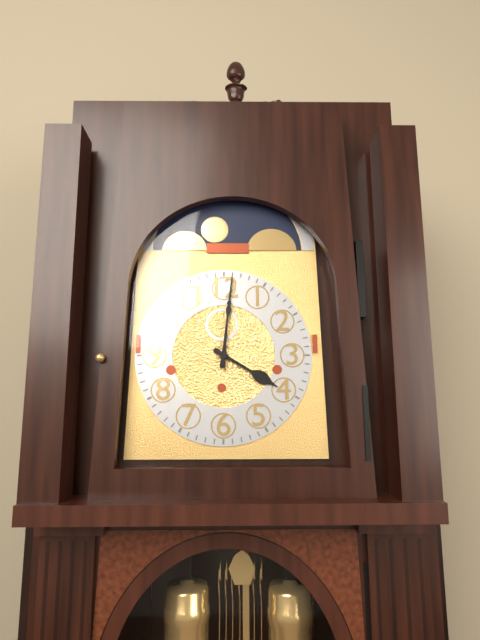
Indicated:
4,01
